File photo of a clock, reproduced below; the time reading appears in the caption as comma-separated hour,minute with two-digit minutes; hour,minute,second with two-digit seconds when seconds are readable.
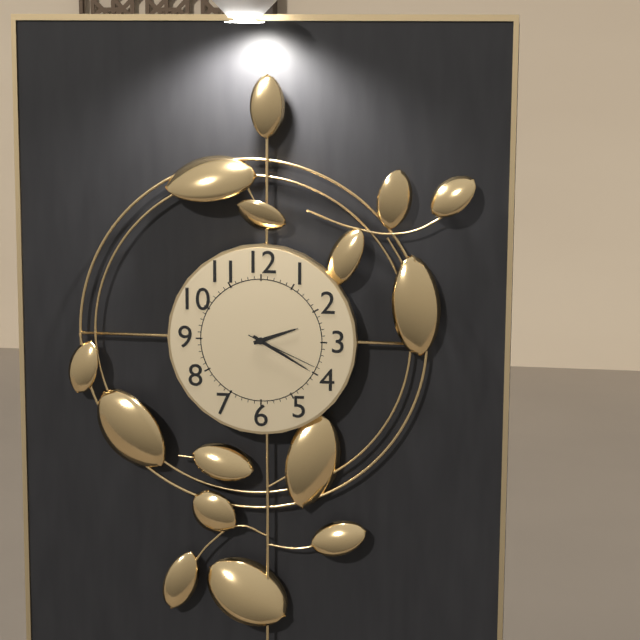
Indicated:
2,20,19
